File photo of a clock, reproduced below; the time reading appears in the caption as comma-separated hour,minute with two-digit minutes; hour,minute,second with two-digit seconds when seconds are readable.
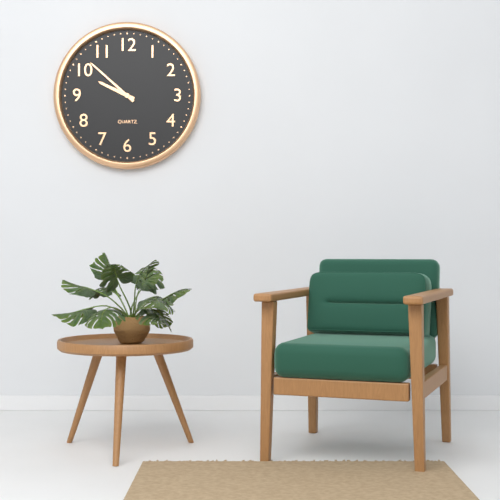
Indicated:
9,52
